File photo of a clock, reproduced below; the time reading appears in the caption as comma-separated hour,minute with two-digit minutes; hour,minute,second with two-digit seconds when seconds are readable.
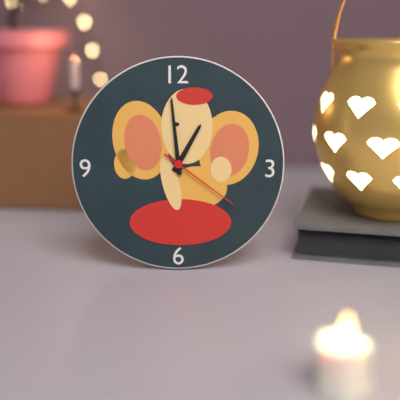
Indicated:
12,59,21
